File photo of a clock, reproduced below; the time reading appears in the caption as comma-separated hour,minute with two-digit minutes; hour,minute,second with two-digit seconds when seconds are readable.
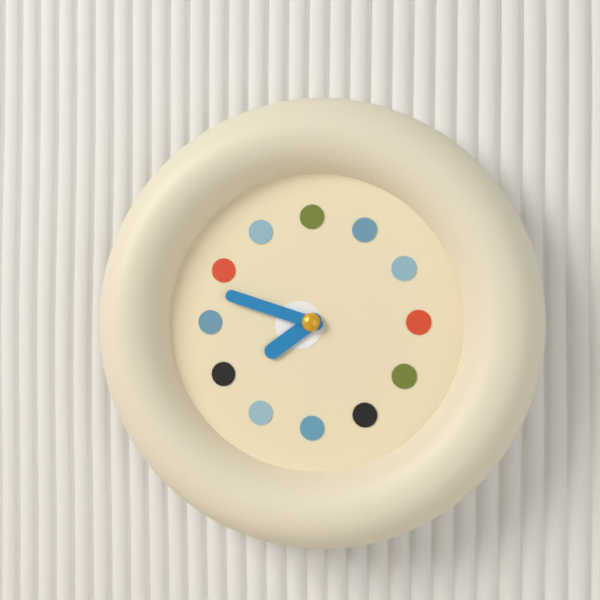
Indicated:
7,48
